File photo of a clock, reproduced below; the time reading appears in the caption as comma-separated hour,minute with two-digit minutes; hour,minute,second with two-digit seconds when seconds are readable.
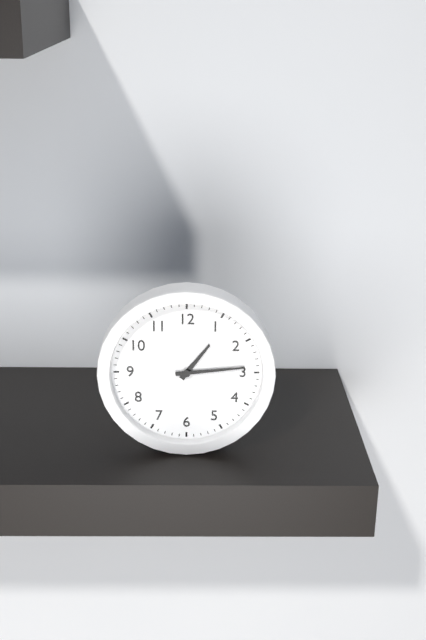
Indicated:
1,14
